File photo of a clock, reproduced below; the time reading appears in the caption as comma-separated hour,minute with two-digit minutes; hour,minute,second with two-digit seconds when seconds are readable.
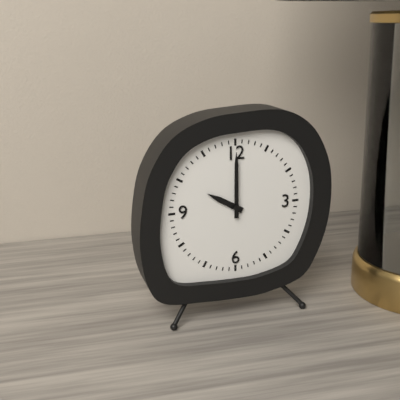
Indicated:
10,00
